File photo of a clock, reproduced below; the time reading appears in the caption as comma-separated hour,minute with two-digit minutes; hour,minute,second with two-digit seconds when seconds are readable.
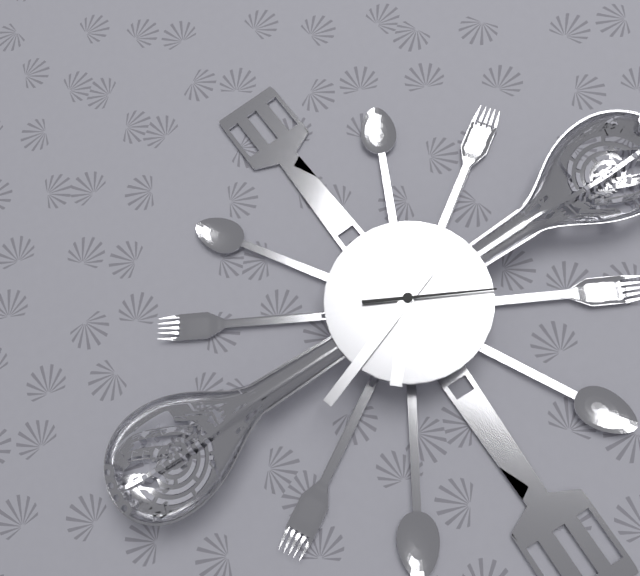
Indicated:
4,27,05
